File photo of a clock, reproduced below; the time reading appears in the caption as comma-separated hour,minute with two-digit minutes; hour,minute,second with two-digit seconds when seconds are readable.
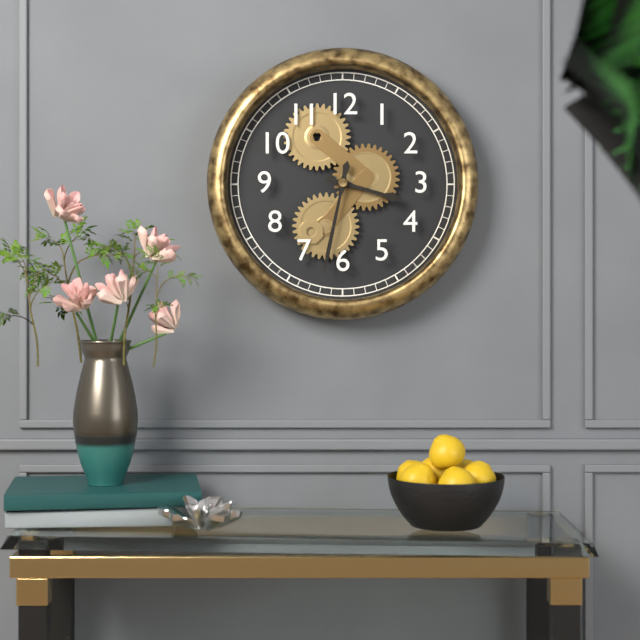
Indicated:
3,32
